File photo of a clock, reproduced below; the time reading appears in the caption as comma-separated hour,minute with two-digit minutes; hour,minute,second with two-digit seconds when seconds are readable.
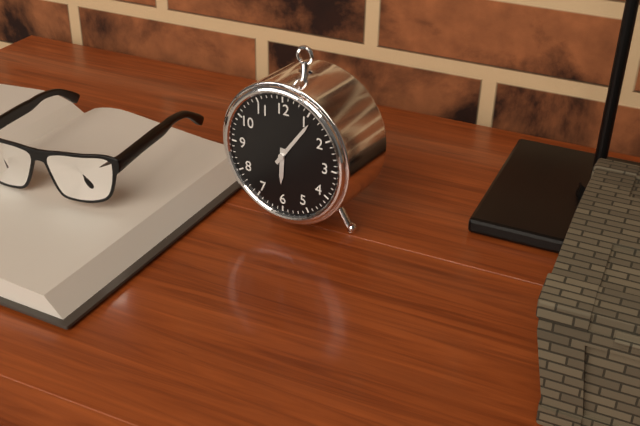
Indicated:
6,06
